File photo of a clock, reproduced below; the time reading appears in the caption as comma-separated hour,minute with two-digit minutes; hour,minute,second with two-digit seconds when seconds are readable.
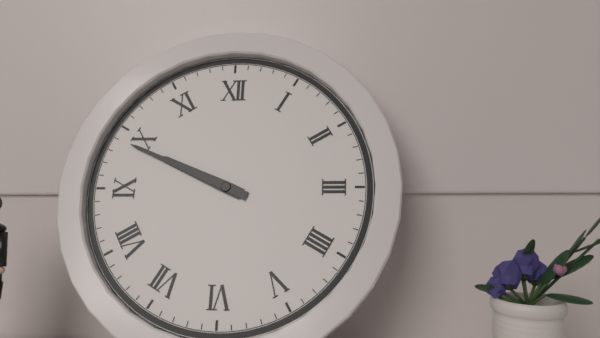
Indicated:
9,49
